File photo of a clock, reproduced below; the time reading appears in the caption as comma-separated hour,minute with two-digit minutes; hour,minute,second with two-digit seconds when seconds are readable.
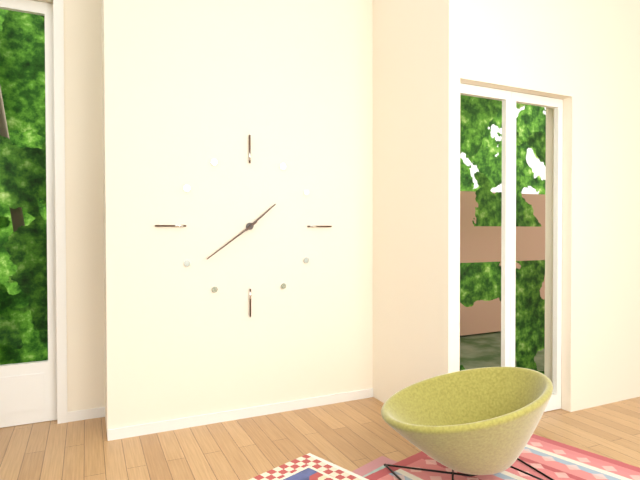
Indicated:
1,39
